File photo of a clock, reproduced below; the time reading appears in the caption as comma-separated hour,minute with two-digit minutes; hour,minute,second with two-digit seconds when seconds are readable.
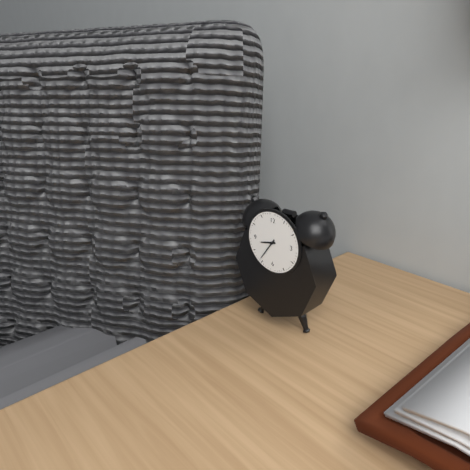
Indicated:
8,36
